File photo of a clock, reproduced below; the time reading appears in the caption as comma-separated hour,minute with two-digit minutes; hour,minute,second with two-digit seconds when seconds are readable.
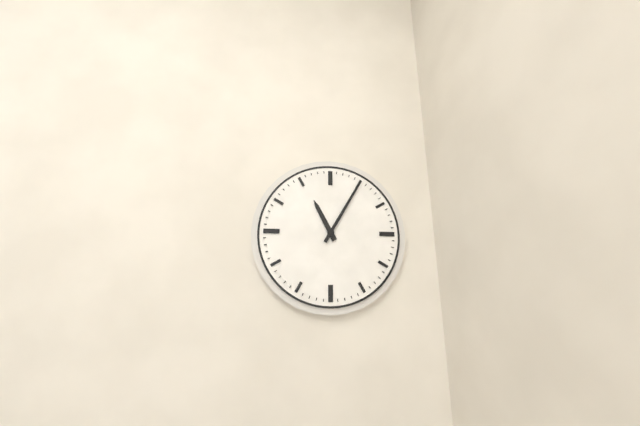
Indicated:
11,05
